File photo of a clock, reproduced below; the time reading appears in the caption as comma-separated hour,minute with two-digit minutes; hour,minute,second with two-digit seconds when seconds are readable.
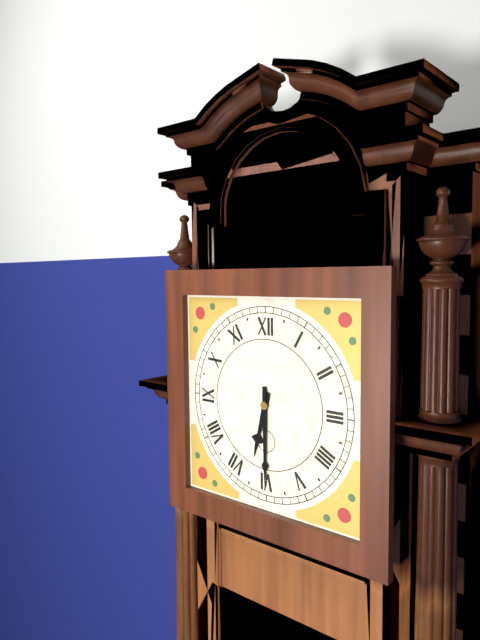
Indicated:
6,30
